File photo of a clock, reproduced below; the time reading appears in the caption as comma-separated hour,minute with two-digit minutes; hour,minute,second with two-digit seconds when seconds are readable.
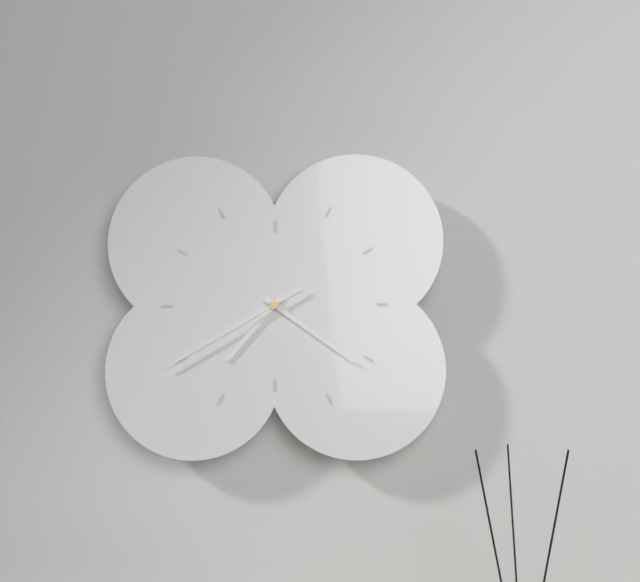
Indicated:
7,21,40
